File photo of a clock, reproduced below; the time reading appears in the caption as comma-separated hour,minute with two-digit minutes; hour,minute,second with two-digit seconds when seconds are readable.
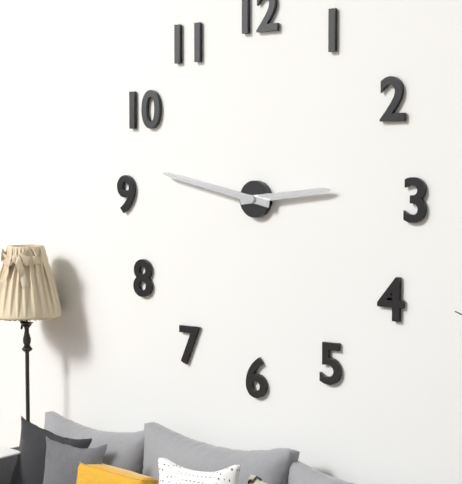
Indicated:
2,47
